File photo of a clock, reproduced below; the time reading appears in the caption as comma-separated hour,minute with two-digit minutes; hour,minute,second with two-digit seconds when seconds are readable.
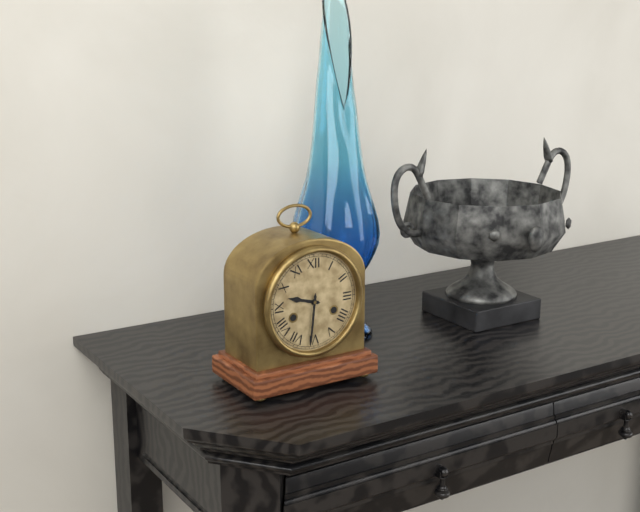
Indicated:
9,31
